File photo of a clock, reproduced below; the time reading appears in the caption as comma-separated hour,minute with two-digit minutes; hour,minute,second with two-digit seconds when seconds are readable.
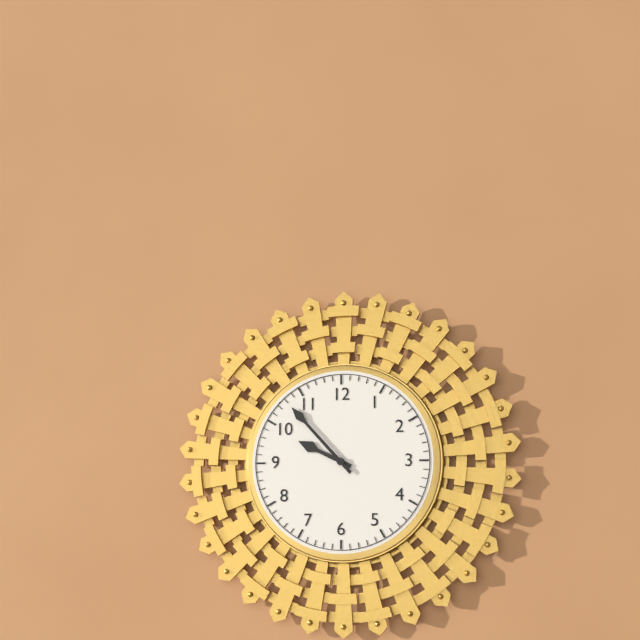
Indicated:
9,53
